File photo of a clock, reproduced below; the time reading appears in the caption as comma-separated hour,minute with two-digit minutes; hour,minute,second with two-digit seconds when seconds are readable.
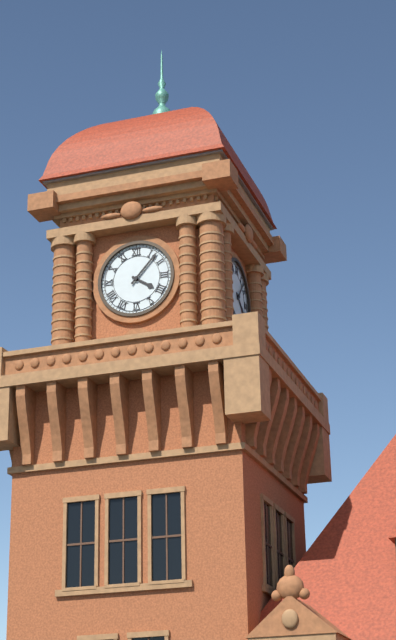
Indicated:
4,07
